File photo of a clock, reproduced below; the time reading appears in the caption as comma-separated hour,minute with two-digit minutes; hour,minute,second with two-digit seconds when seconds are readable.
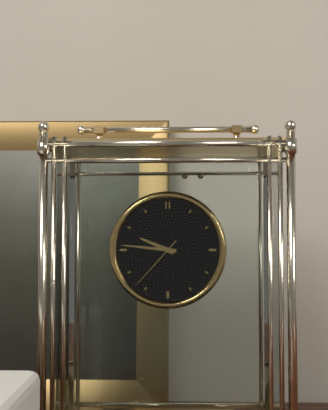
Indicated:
9,46,37
